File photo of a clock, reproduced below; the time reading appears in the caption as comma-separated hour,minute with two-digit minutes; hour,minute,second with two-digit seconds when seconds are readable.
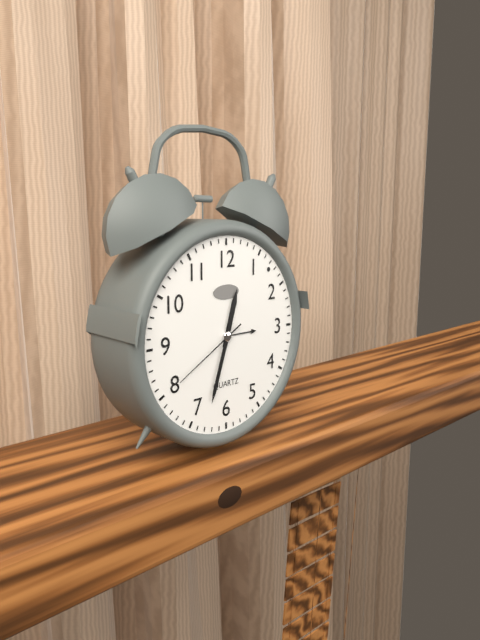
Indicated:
12,33,40
